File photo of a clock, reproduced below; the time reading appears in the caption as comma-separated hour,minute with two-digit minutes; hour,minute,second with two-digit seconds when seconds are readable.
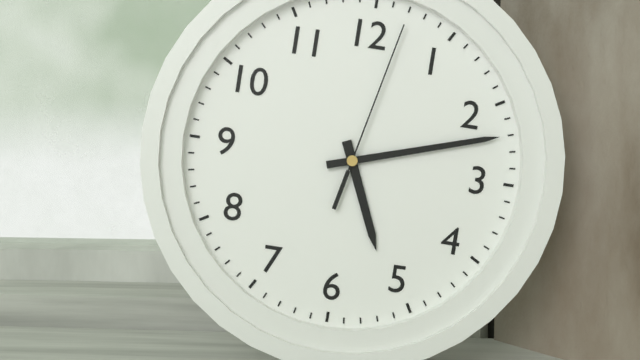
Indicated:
5,12,02
